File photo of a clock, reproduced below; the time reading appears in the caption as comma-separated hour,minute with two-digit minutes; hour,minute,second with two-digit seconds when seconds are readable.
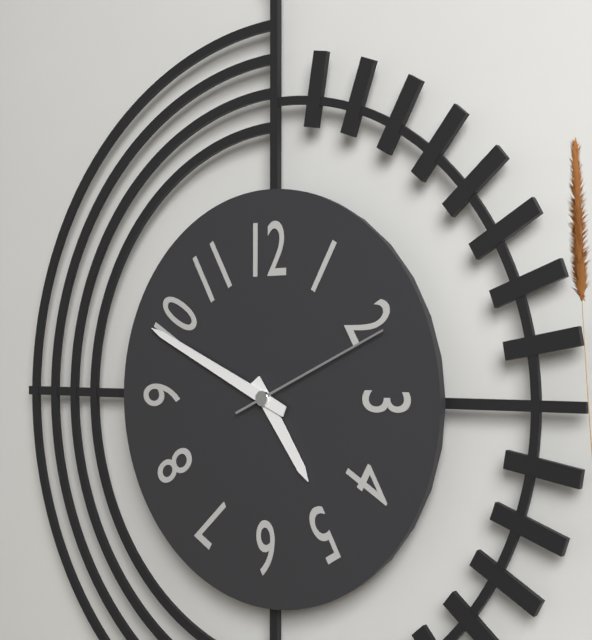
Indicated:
4,49,11
